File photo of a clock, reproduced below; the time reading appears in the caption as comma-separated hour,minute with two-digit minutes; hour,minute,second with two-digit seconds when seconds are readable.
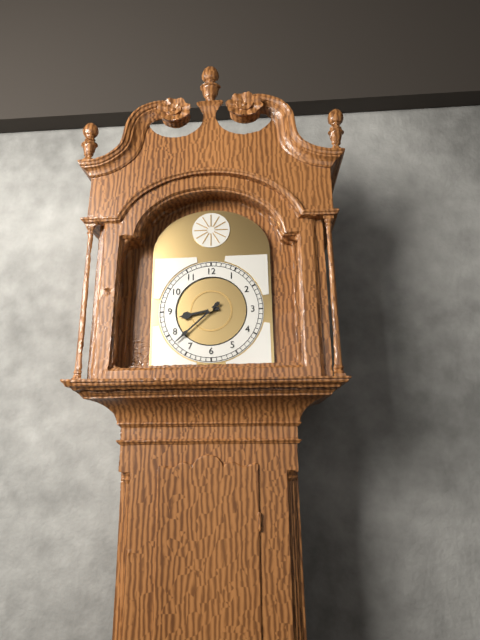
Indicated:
8,38
